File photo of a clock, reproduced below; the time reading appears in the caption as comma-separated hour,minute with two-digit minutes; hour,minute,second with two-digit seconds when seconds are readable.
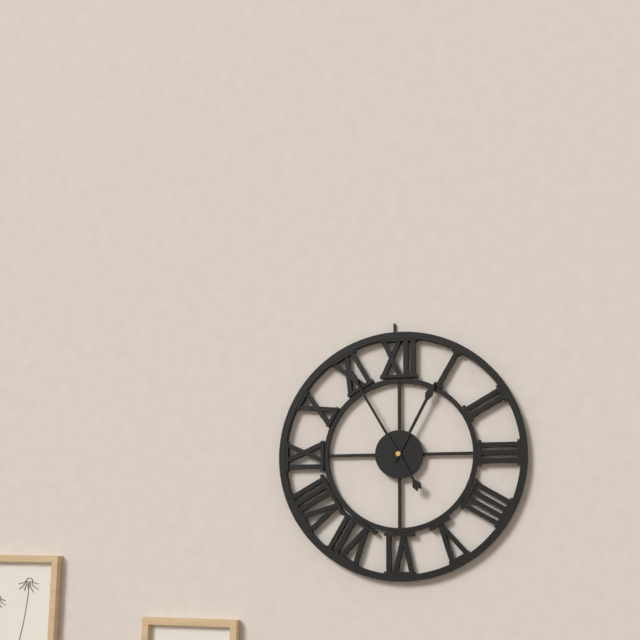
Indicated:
12,55
